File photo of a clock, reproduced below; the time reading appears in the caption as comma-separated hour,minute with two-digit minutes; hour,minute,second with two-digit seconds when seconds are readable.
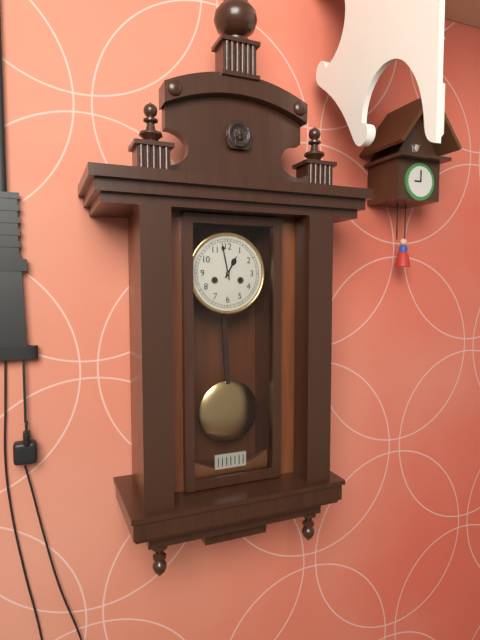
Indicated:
12,58
